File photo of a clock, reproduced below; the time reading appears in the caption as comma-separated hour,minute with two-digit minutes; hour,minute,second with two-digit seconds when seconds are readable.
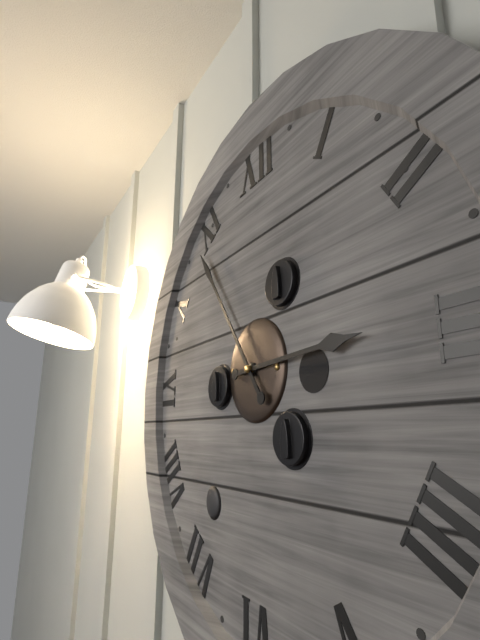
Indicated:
2,54
